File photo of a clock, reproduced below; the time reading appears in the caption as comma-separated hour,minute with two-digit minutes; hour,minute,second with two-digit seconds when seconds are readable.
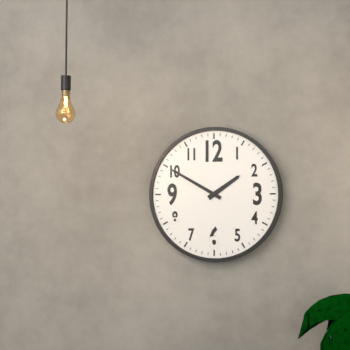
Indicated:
1,50
